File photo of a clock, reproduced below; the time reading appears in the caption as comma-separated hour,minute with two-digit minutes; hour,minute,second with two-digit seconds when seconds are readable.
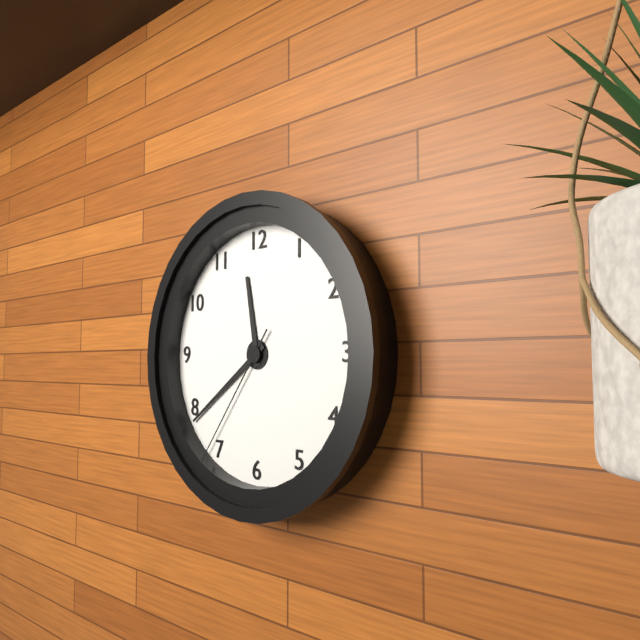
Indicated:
11,39,36
